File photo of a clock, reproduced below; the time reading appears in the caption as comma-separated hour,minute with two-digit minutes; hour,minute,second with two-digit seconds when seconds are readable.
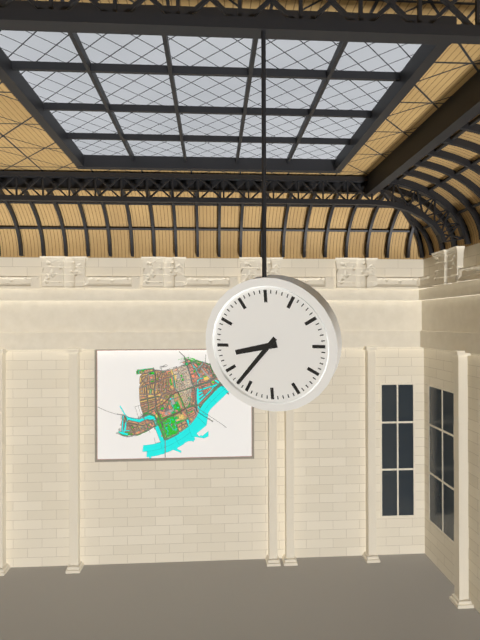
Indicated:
8,37
